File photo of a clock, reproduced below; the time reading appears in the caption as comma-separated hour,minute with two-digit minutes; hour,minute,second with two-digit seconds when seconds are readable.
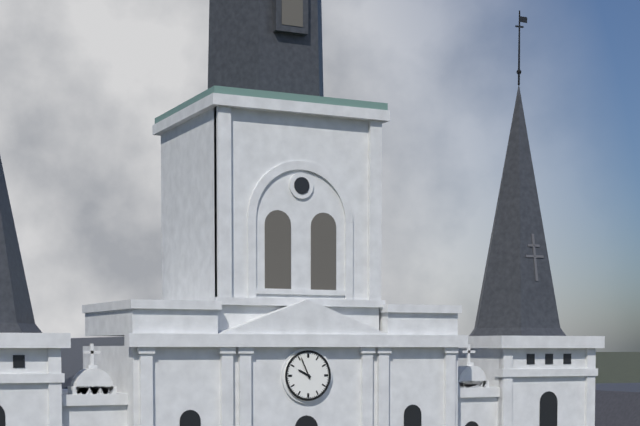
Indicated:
9,56
